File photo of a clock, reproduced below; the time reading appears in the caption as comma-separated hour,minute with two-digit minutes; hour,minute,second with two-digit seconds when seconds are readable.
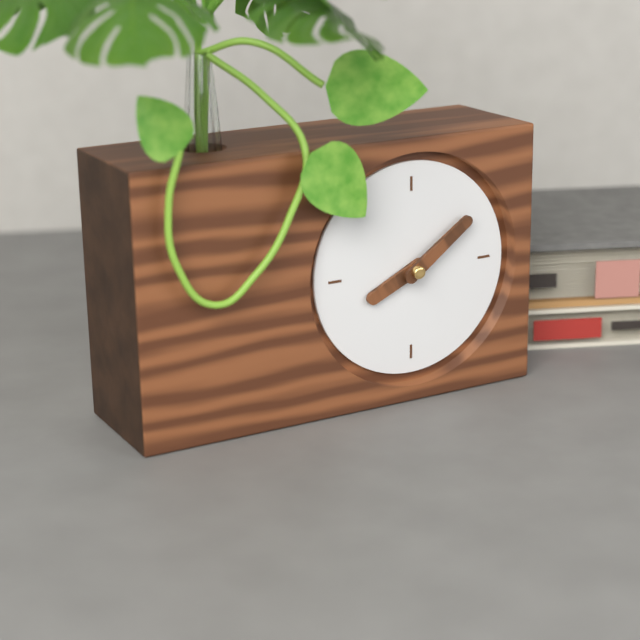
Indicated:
8,09
